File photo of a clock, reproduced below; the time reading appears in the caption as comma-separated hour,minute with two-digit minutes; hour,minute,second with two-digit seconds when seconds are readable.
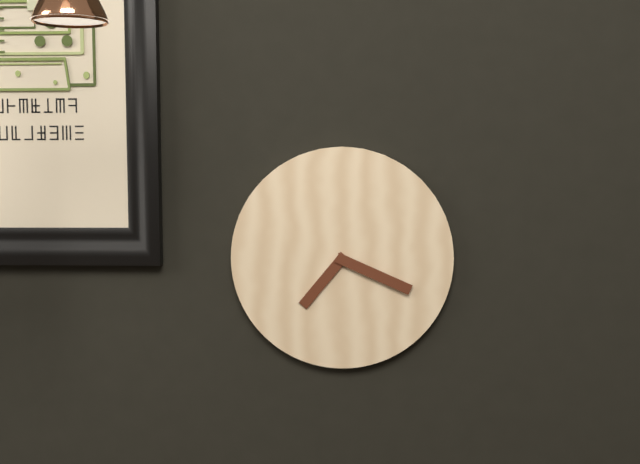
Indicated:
7,19
